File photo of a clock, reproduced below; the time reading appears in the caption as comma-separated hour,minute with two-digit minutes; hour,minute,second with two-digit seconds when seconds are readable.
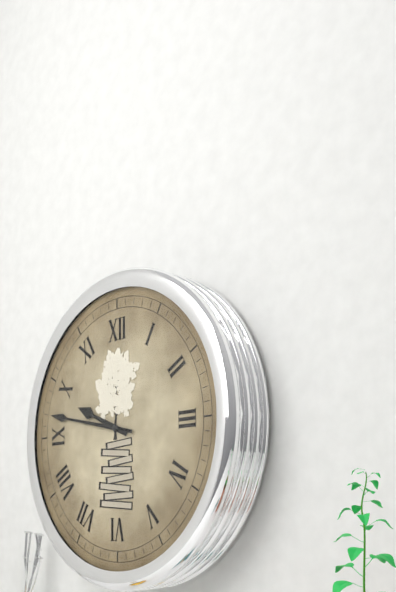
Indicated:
9,47
